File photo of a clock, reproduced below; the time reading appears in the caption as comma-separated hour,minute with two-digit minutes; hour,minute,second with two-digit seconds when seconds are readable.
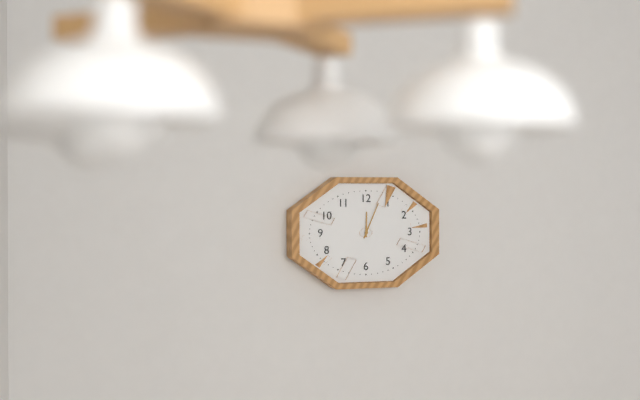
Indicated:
12,04
